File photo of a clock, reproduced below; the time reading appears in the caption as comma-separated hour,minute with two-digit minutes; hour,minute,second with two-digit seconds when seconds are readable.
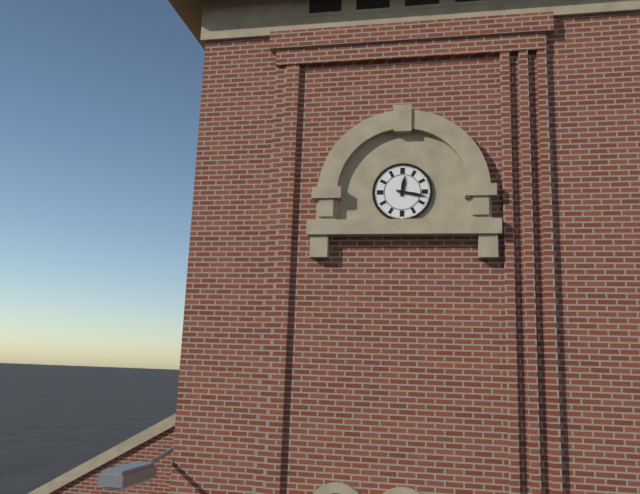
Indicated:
12,17
